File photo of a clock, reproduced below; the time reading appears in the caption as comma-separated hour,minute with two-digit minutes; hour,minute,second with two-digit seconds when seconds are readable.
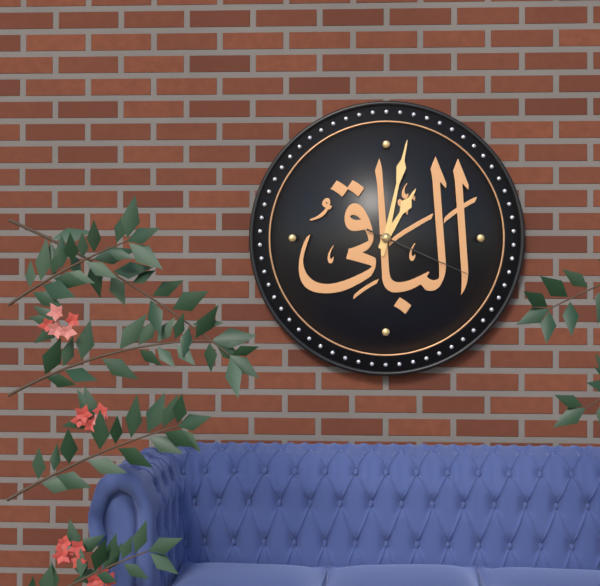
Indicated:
1,02,19
